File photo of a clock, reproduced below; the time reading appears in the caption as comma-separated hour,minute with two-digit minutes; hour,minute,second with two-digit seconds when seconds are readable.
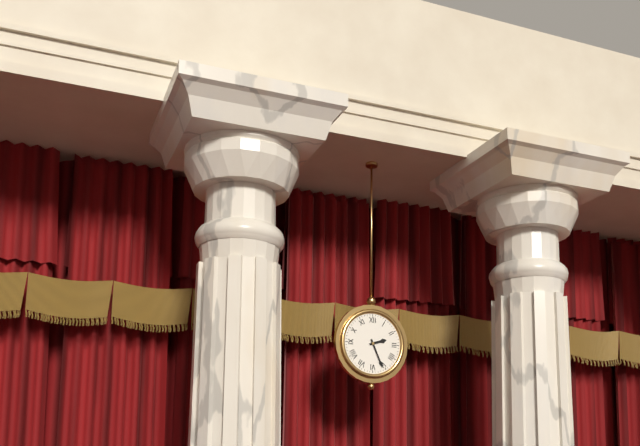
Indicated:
2,26
